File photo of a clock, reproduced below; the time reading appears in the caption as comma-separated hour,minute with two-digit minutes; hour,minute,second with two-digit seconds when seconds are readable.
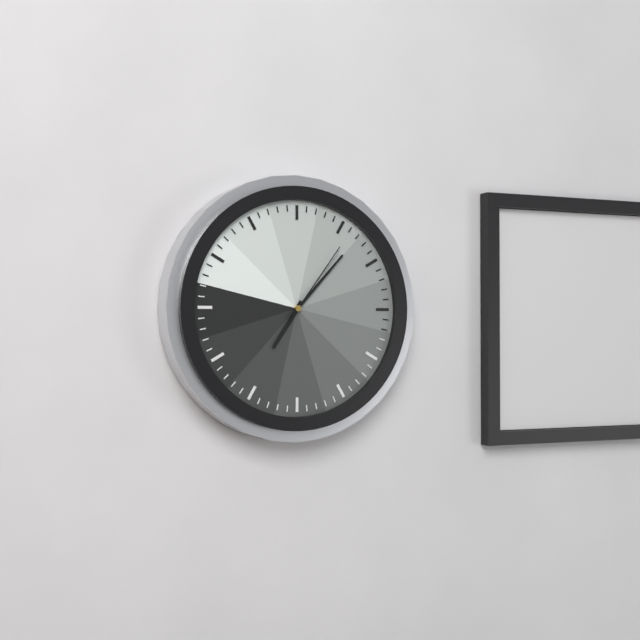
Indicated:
7,07,06
